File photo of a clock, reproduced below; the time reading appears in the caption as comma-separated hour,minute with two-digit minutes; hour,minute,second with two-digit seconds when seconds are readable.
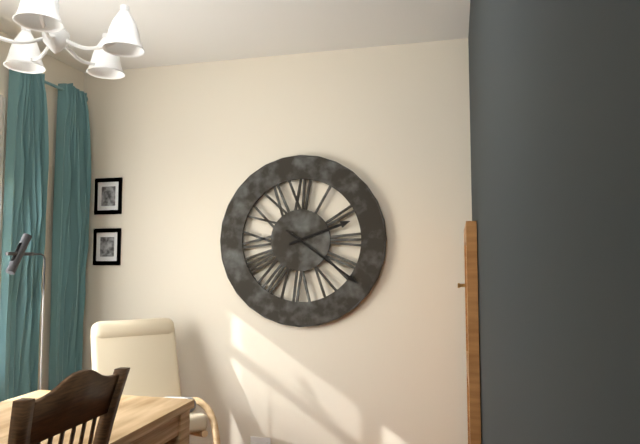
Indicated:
2,21
